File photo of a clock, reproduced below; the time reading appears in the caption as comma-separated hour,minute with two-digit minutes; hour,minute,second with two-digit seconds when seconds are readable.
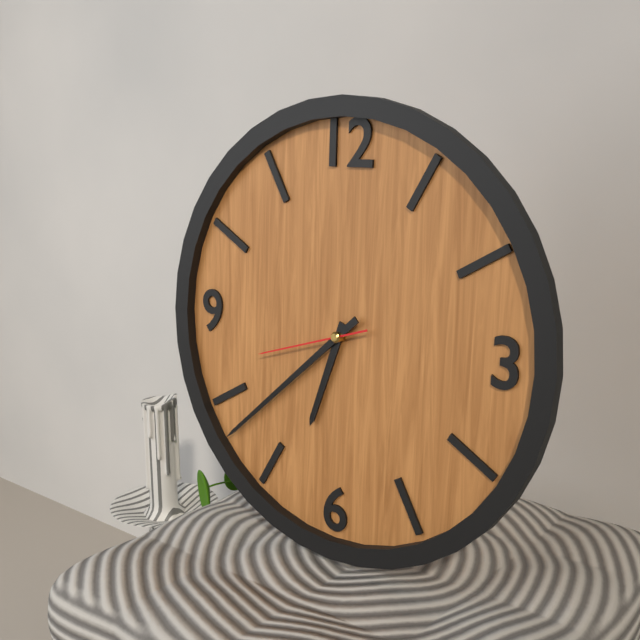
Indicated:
6,38,42
